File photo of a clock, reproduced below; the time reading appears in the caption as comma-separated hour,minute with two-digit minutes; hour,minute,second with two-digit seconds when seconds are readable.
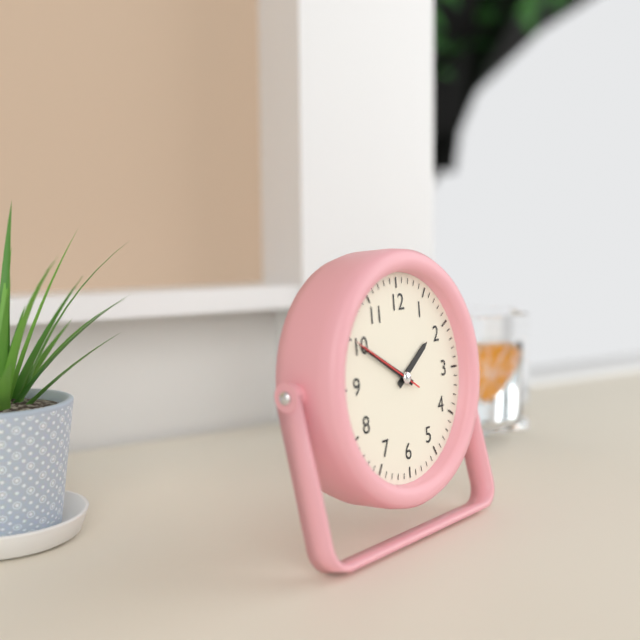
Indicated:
1,50,50
